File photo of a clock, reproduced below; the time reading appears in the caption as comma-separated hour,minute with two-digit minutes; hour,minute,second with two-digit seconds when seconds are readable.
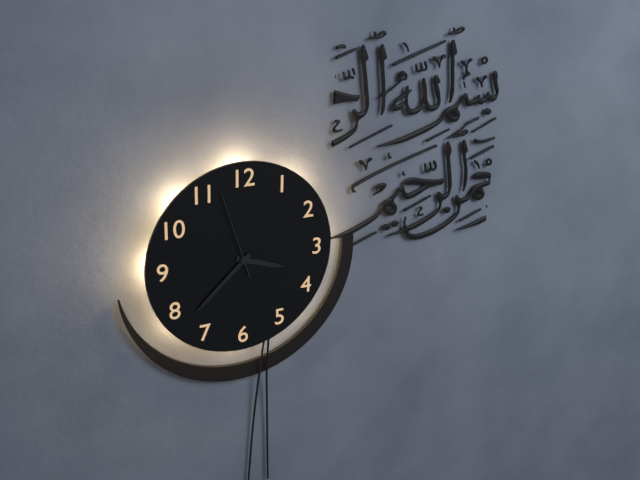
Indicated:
3,38,57
